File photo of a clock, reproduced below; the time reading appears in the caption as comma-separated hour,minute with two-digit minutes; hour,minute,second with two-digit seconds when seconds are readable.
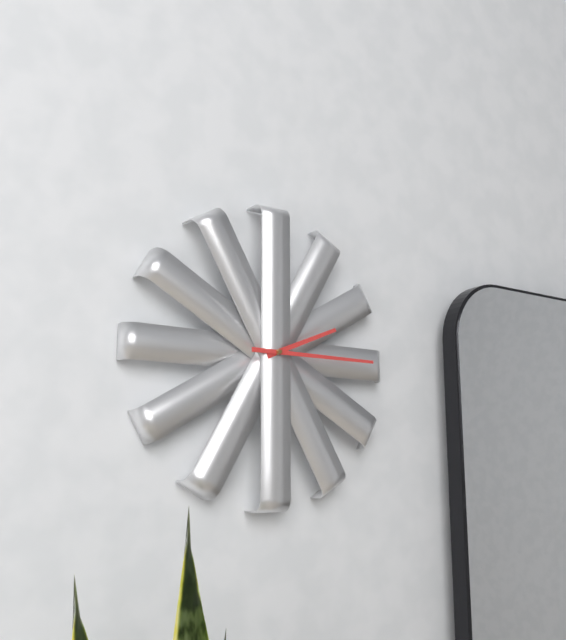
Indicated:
2,15
